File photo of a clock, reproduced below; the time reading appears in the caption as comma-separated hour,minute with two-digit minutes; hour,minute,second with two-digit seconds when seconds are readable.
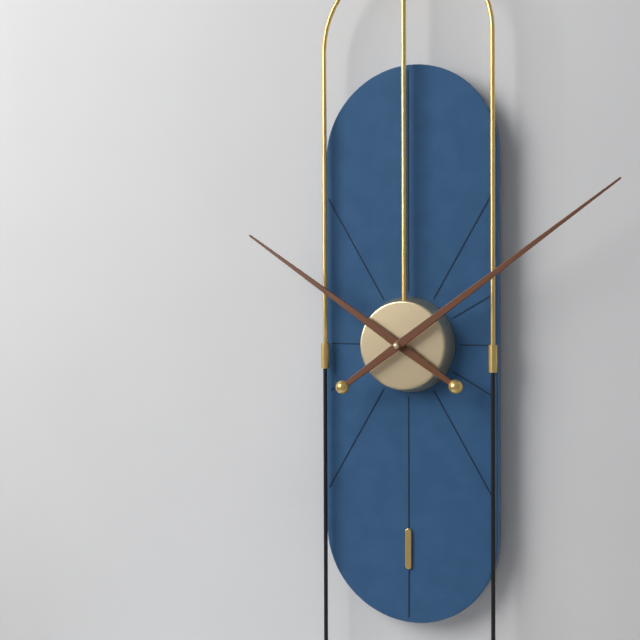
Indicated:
10,09
